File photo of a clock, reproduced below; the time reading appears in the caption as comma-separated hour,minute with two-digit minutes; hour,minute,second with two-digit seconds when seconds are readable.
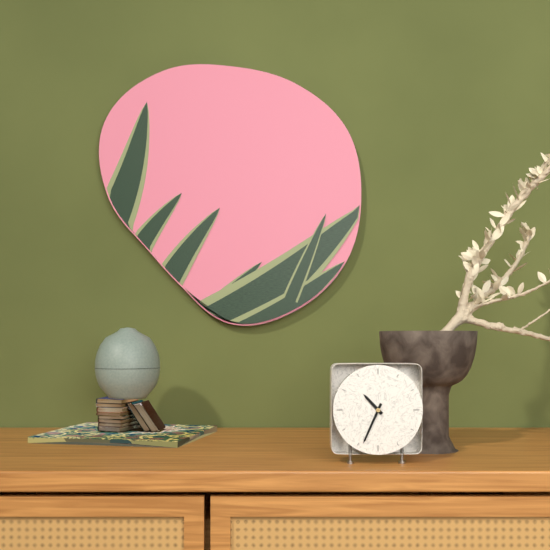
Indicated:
10,34
